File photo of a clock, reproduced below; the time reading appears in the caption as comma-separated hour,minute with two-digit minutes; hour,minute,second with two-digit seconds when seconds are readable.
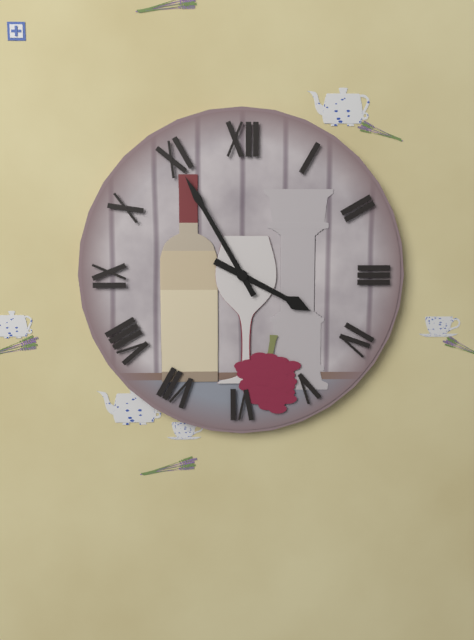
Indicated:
3,55
